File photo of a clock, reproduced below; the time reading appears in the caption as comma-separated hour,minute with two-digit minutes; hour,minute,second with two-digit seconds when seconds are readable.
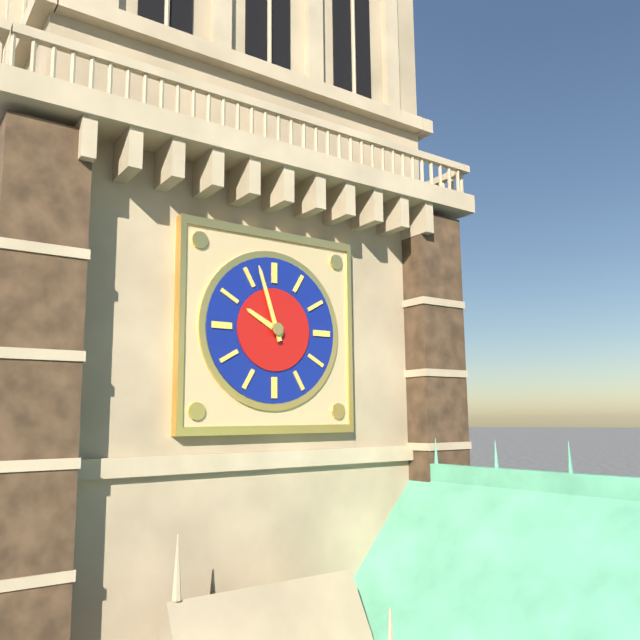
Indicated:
9,57
